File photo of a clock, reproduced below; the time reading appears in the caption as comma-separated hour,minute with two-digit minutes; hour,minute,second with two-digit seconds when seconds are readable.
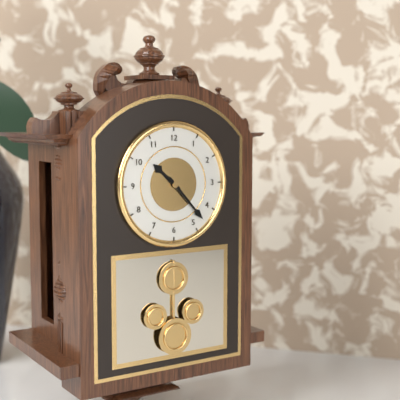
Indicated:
10,23
